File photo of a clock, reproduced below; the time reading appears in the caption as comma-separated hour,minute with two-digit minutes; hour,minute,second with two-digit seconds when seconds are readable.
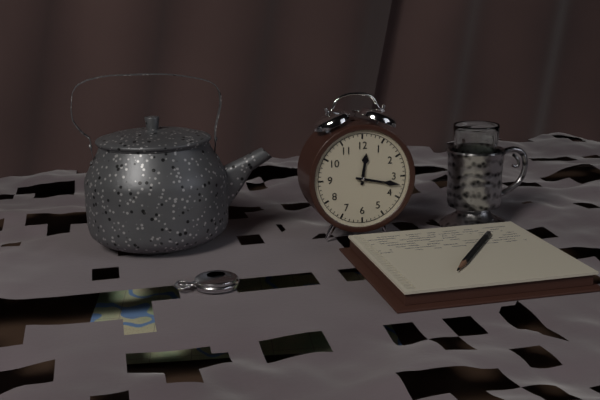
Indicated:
12,17
